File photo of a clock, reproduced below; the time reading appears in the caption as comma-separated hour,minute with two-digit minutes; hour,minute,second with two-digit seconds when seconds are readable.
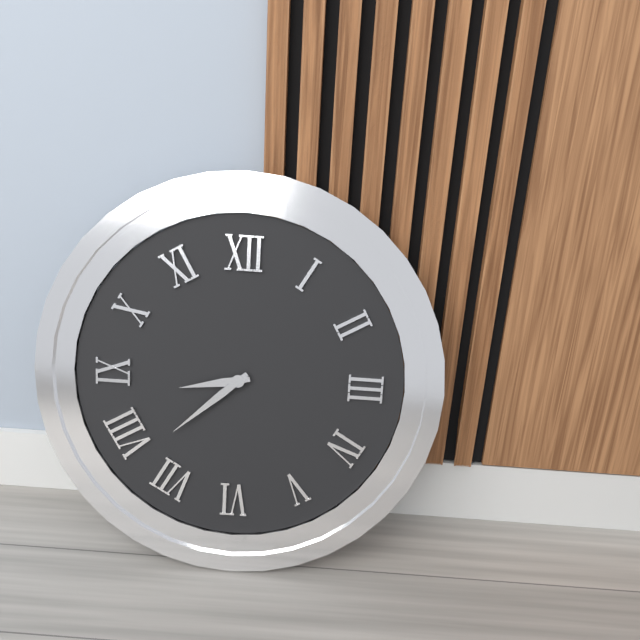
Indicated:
8,38
